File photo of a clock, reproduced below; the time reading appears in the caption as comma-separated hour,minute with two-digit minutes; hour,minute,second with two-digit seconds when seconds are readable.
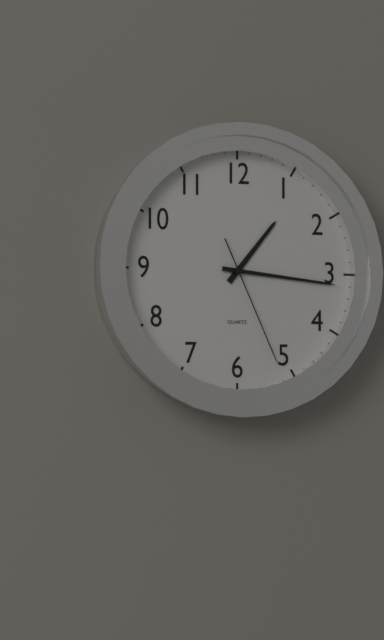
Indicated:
1,16,26
